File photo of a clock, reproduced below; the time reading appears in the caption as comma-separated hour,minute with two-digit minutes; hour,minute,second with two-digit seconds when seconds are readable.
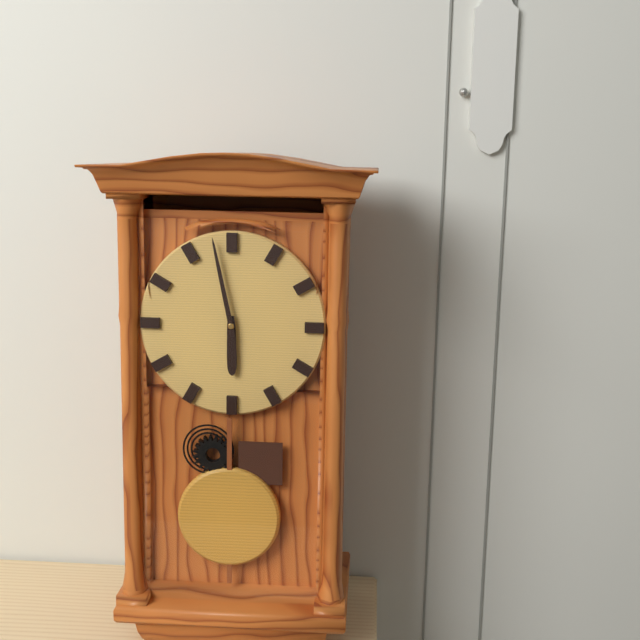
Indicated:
5,58
